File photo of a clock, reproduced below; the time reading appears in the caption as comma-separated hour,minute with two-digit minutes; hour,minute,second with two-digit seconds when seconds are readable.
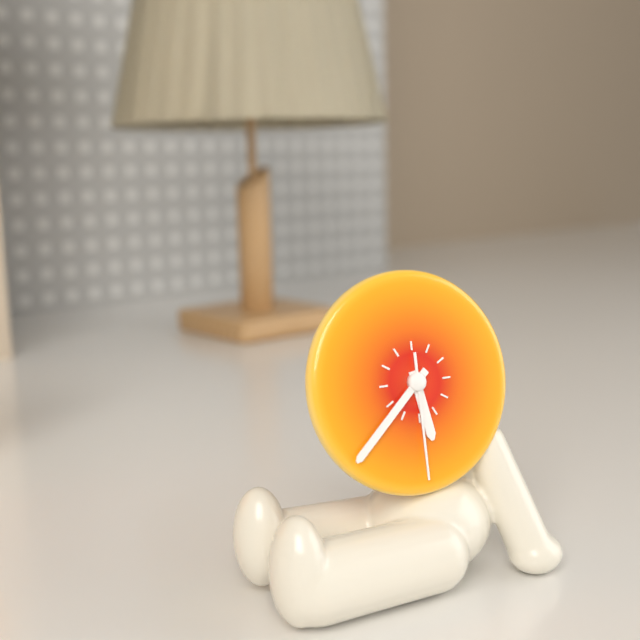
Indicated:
5,38,30
